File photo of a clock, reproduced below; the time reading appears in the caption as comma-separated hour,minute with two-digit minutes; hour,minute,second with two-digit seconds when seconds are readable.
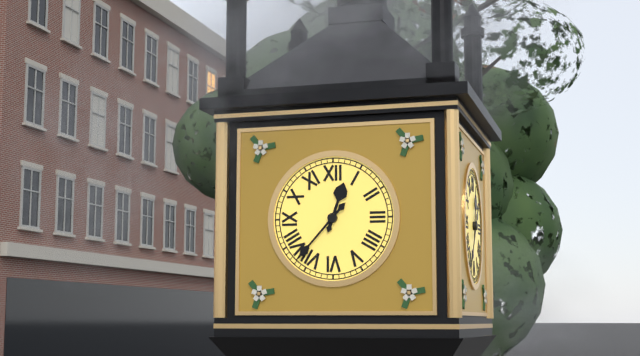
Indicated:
12,37
